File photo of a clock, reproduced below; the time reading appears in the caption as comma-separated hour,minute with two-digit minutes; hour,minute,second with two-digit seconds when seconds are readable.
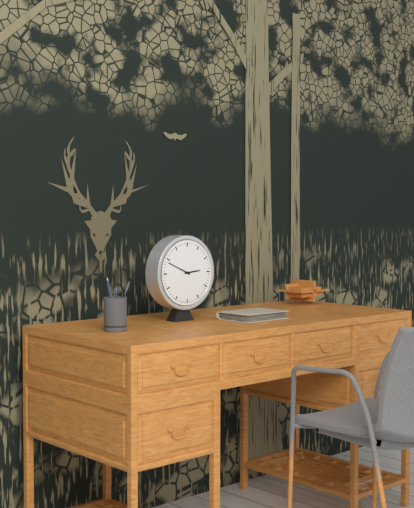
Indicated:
2,49
